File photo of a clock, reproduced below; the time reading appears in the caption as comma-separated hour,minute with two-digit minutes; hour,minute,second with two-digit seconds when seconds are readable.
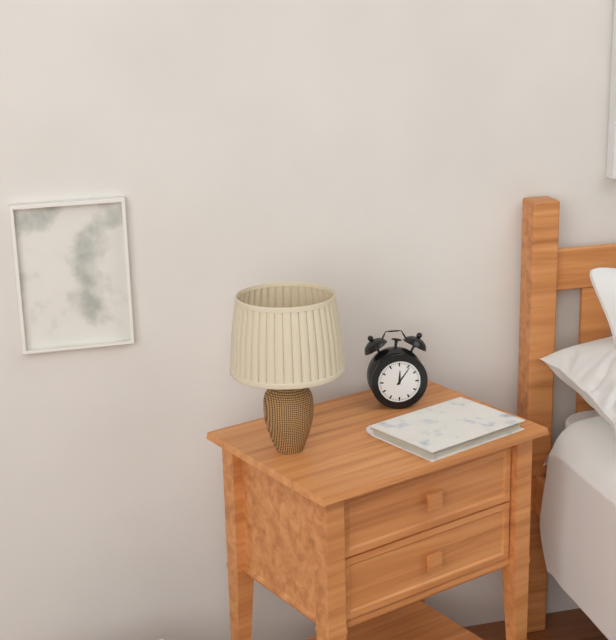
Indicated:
12,06
